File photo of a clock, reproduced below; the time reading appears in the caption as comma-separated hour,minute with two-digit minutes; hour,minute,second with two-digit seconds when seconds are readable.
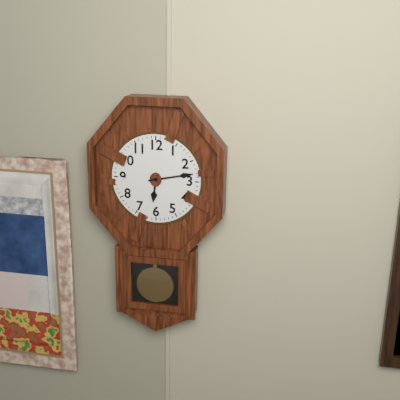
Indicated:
6,13
